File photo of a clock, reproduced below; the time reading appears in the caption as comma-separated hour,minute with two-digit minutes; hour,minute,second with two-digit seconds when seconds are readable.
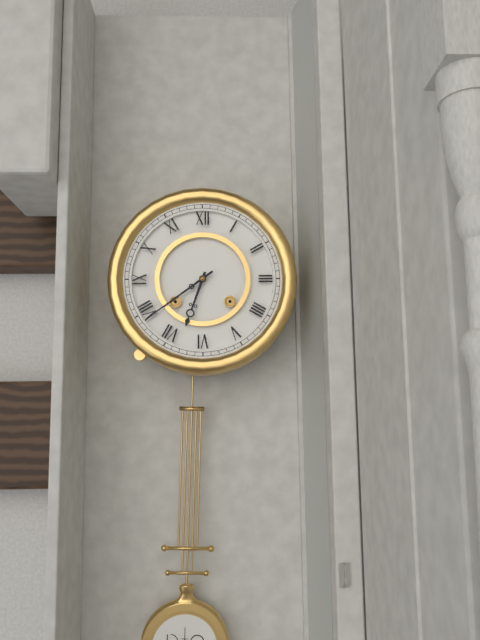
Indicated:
6,39
